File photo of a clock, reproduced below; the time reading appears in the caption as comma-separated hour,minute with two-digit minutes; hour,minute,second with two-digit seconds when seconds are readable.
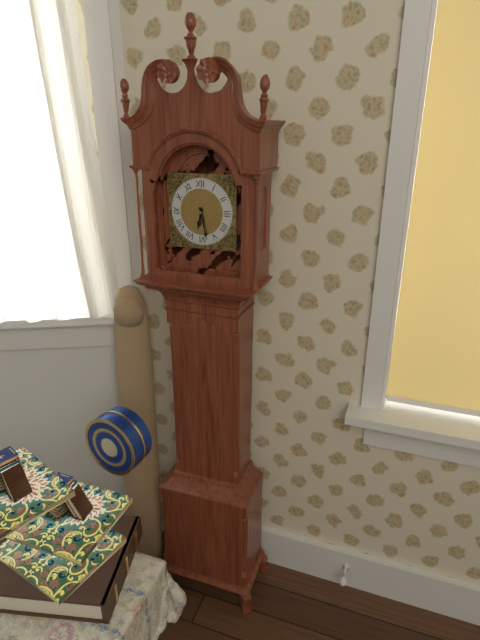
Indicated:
6,28
